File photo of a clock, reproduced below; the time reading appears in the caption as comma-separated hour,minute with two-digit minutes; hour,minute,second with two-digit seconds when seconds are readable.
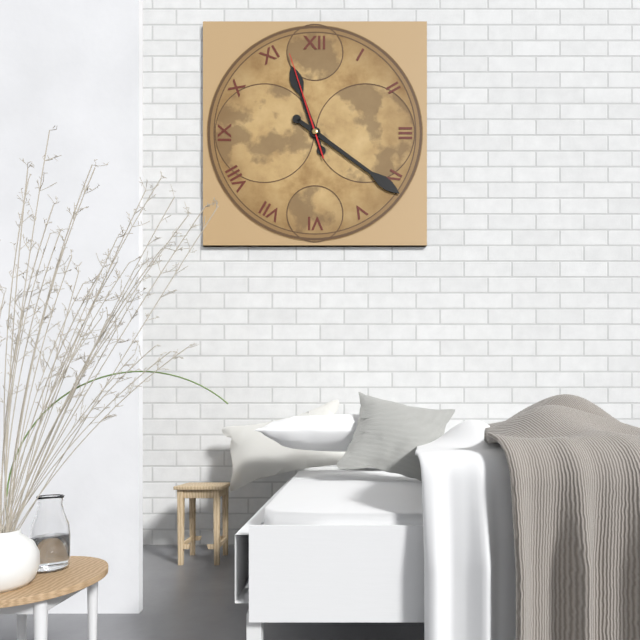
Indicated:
11,21,57
